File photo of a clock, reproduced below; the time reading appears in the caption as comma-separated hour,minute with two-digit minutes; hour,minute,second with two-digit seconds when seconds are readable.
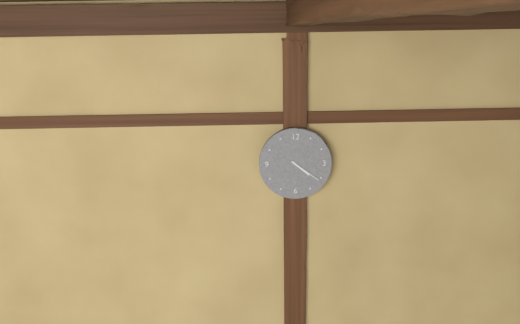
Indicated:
4,21
